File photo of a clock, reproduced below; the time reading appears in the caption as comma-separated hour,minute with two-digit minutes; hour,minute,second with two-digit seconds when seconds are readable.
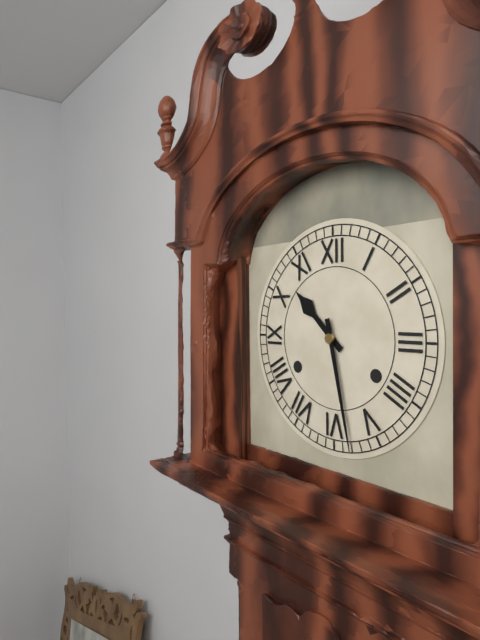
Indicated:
10,28
